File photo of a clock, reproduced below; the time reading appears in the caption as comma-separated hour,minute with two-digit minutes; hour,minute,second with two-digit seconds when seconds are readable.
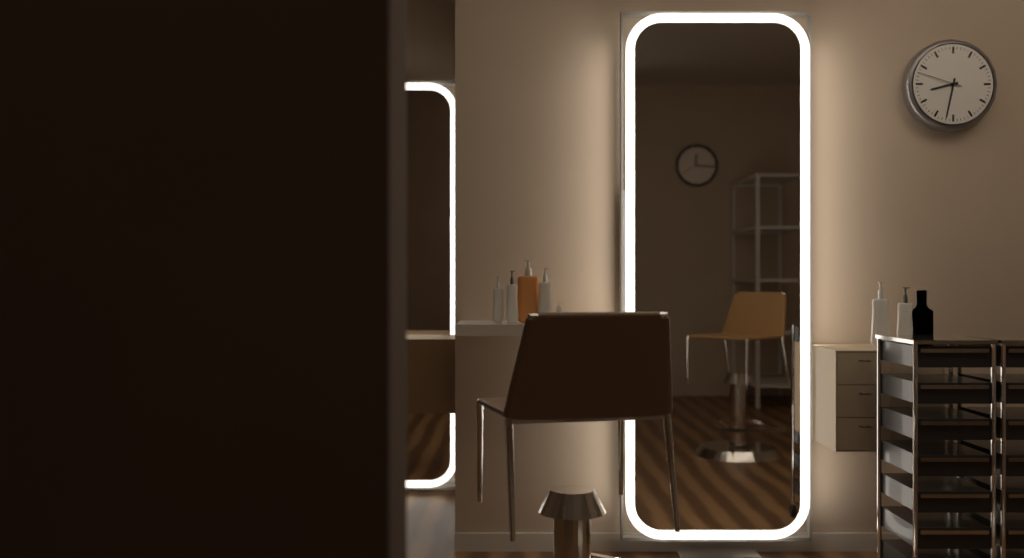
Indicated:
8,32
